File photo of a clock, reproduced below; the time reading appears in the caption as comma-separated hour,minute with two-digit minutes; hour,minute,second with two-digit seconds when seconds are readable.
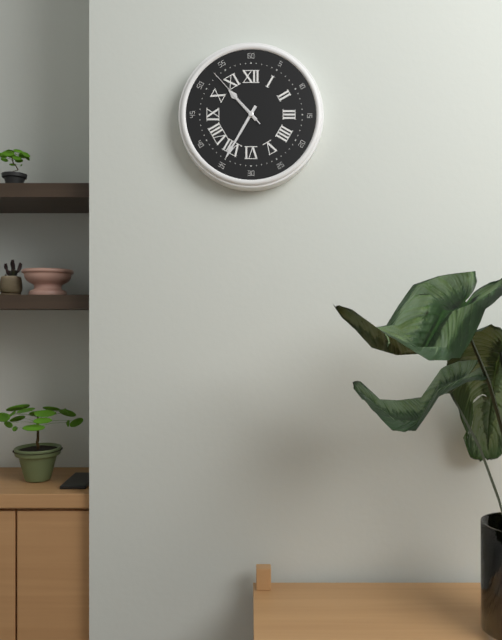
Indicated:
10,35,53
